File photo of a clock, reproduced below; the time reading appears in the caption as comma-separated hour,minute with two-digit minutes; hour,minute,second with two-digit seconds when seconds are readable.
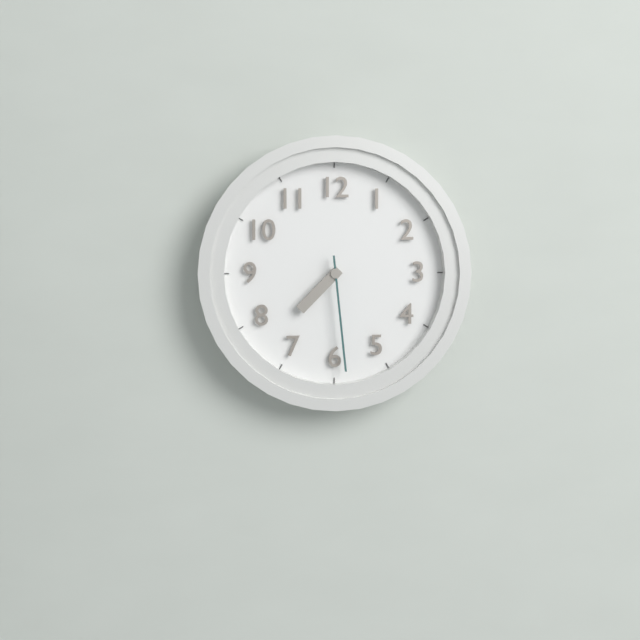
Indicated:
7,29
